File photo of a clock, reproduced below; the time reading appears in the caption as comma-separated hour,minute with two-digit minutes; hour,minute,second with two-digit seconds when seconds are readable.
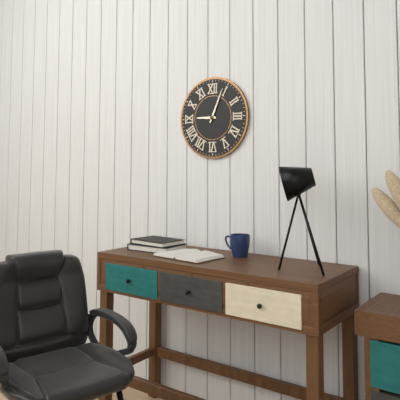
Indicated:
9,04
